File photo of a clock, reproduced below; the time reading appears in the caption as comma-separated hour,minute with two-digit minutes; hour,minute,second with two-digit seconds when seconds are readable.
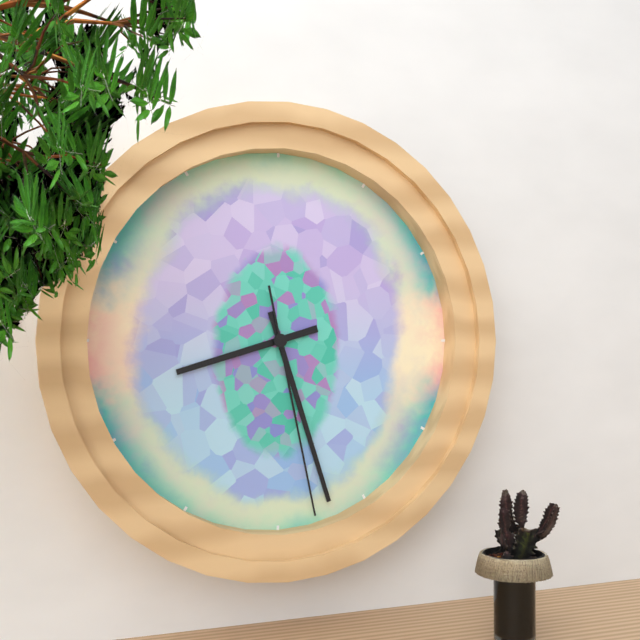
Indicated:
8,27,28
